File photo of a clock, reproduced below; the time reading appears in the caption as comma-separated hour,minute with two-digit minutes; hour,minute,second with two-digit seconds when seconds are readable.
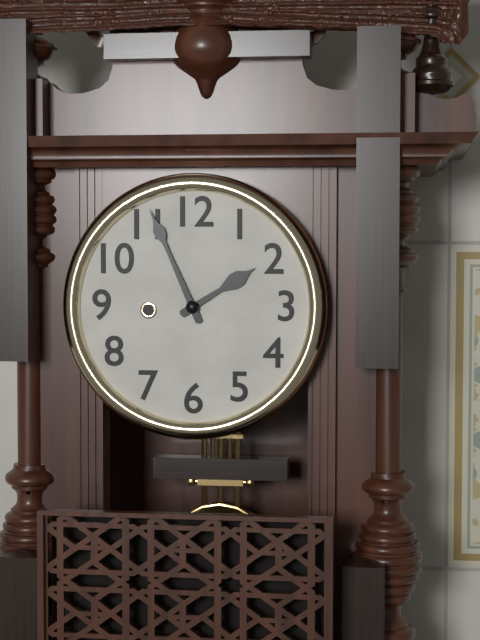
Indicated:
1,56
